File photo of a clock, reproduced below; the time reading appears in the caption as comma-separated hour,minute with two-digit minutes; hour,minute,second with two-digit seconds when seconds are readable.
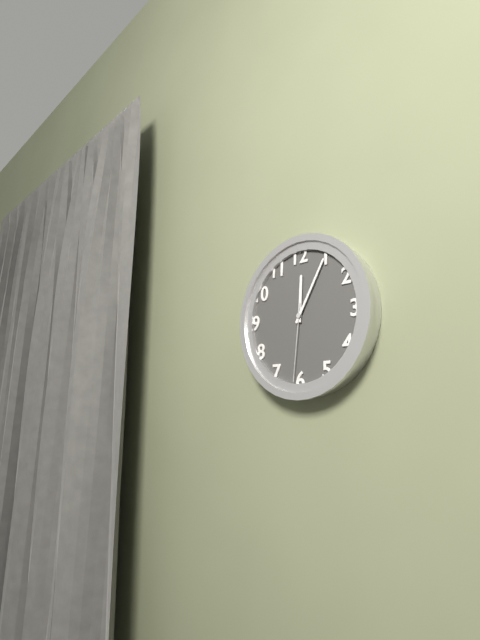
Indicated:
12,05,31
